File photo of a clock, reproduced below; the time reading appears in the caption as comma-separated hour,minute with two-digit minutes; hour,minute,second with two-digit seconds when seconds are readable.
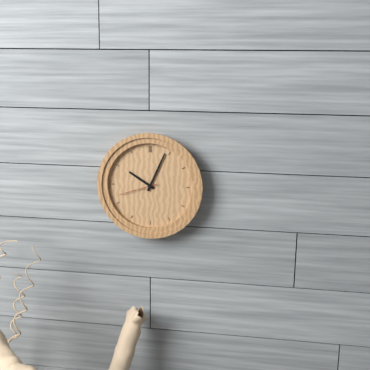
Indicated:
10,04
